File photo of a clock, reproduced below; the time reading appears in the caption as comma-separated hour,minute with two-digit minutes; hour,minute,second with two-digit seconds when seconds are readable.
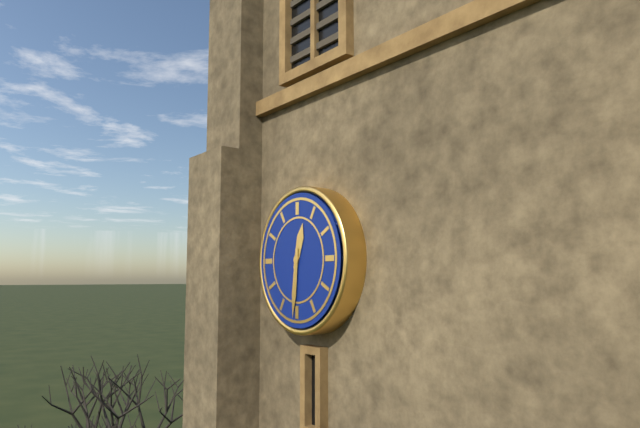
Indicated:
12,31
